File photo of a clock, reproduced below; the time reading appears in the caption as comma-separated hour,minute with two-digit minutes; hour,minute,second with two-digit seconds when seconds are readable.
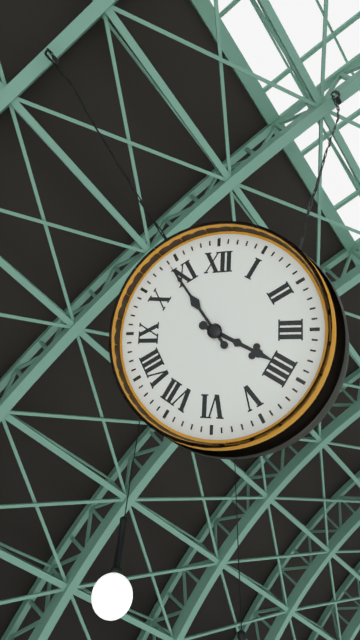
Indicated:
3,54
